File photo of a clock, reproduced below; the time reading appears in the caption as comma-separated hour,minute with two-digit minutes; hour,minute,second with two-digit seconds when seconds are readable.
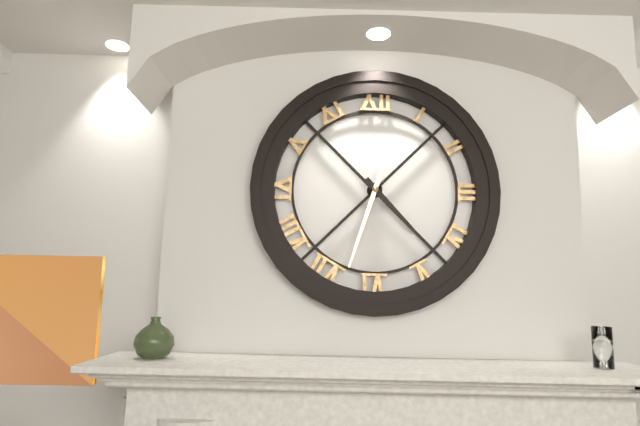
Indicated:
4,33
